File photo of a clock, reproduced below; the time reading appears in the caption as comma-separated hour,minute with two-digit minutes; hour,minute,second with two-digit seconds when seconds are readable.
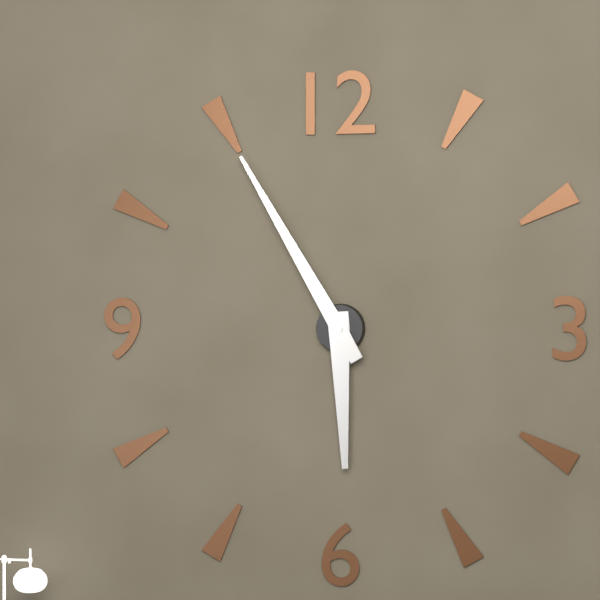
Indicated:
5,55
